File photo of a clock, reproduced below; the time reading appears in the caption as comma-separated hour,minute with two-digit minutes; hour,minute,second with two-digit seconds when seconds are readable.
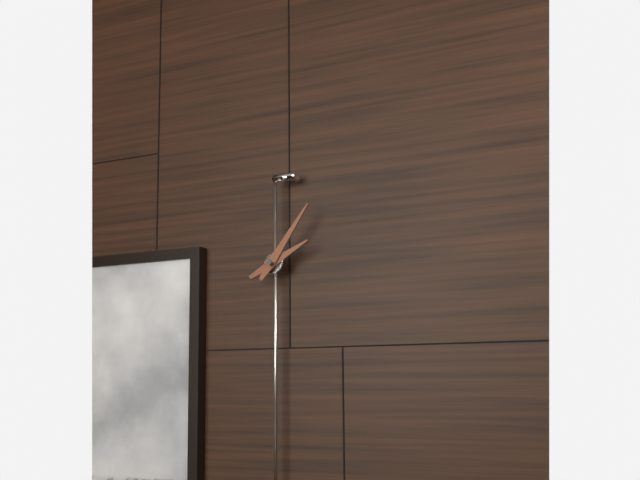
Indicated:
2,06
